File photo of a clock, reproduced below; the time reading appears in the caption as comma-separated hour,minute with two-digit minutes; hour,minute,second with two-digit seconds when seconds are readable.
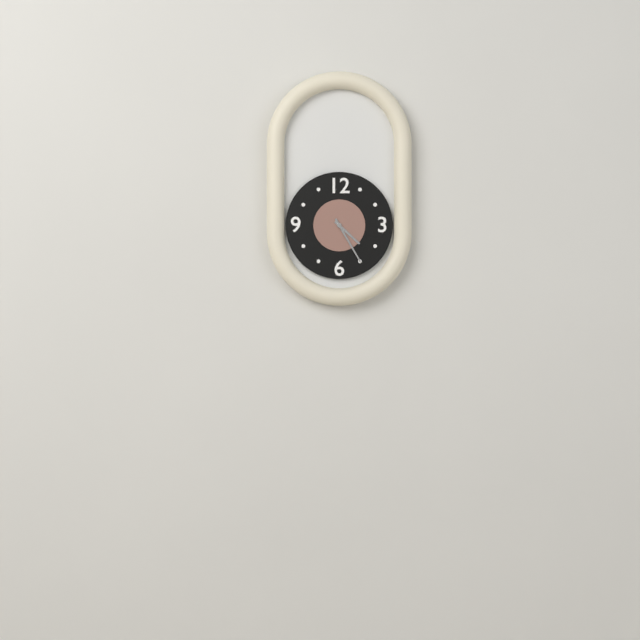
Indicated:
4,25
